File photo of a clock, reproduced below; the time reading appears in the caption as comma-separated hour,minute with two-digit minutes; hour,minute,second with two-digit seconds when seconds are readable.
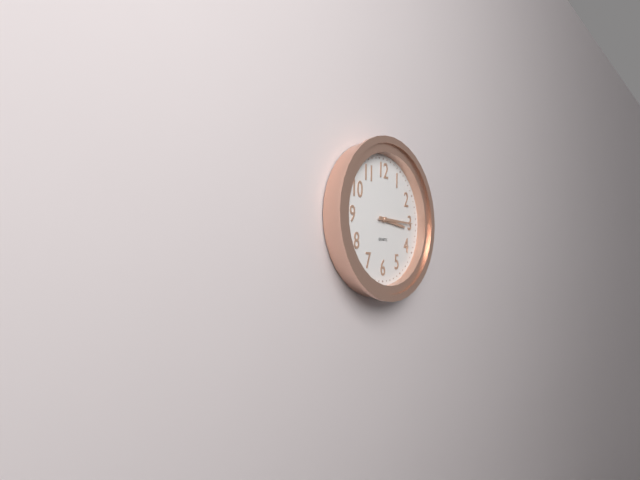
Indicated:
3,15
